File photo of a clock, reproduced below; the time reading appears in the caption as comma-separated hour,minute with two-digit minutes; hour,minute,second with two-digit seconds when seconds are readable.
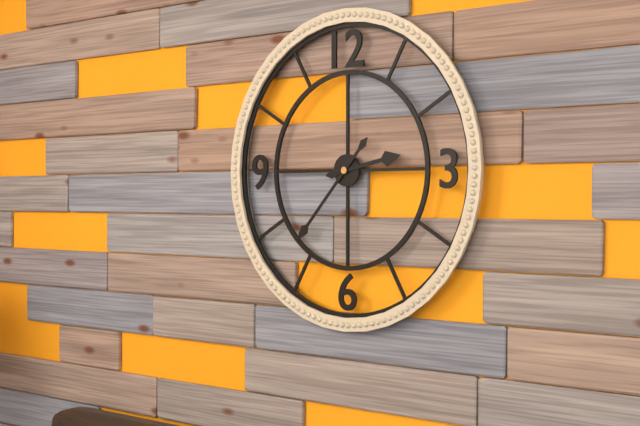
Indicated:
2,37
